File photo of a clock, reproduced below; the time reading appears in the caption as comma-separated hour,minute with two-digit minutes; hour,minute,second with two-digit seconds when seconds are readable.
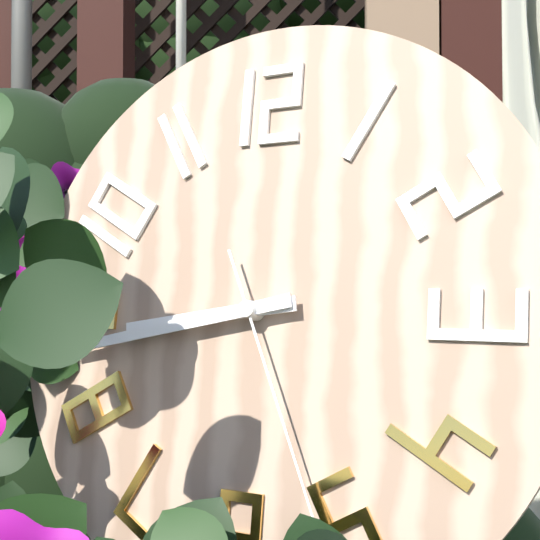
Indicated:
8,43,26
